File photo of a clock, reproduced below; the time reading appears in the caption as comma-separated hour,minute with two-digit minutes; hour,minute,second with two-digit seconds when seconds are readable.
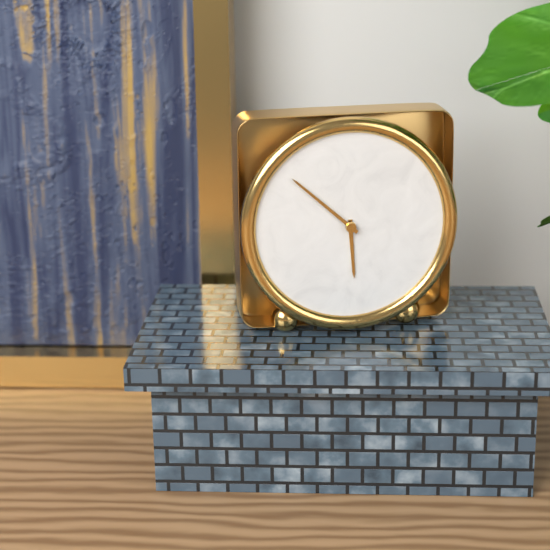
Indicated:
5,52
